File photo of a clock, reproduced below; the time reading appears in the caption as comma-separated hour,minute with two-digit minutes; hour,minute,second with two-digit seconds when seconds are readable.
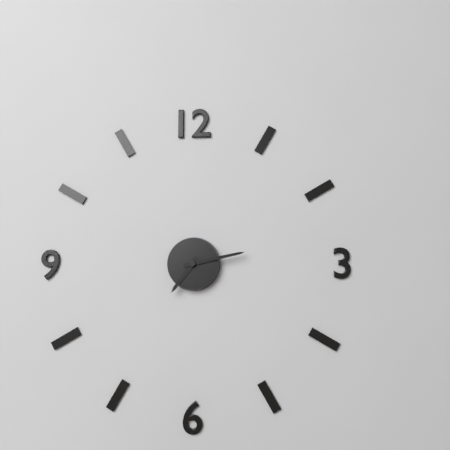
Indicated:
7,13
